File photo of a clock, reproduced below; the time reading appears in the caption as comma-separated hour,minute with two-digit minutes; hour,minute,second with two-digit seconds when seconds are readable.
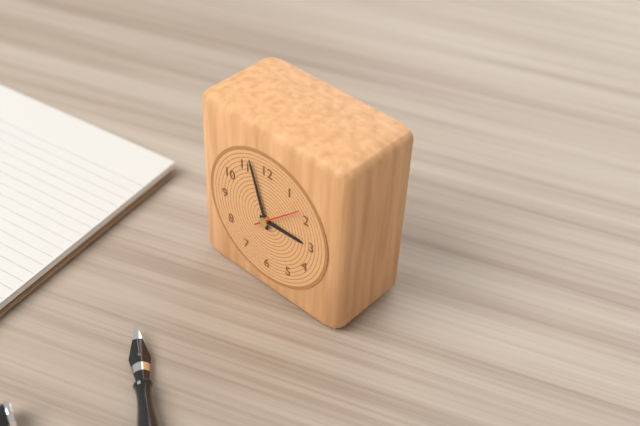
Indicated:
2,57
